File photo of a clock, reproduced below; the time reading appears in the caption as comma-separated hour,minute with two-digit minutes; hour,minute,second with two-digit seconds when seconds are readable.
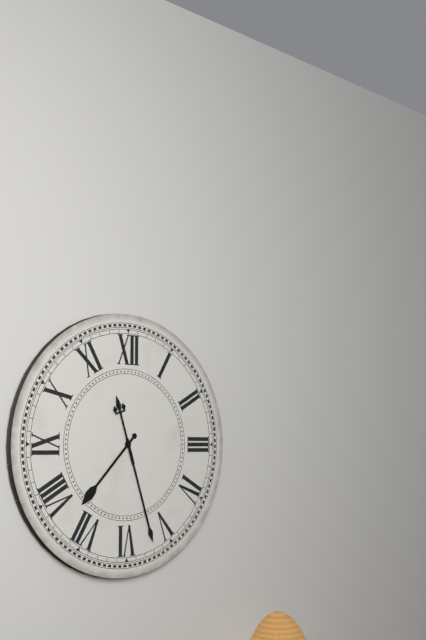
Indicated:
7,27
